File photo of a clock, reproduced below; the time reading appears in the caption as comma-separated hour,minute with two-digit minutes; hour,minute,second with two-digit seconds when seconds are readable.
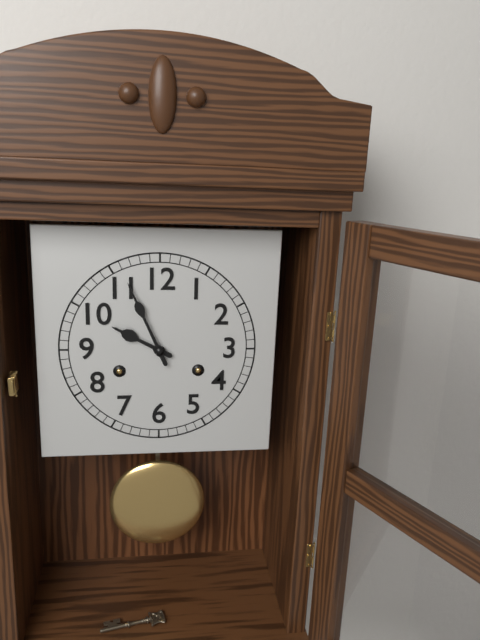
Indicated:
9,56
